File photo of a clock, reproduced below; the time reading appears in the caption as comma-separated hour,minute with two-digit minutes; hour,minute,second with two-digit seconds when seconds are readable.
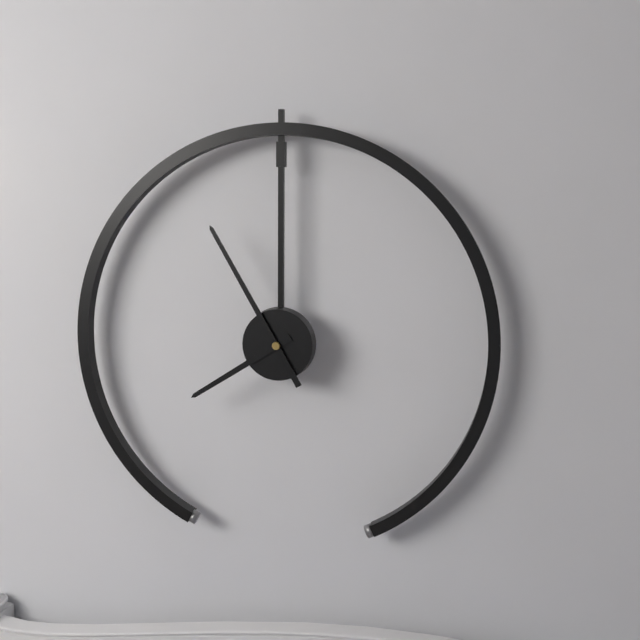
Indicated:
7,55
